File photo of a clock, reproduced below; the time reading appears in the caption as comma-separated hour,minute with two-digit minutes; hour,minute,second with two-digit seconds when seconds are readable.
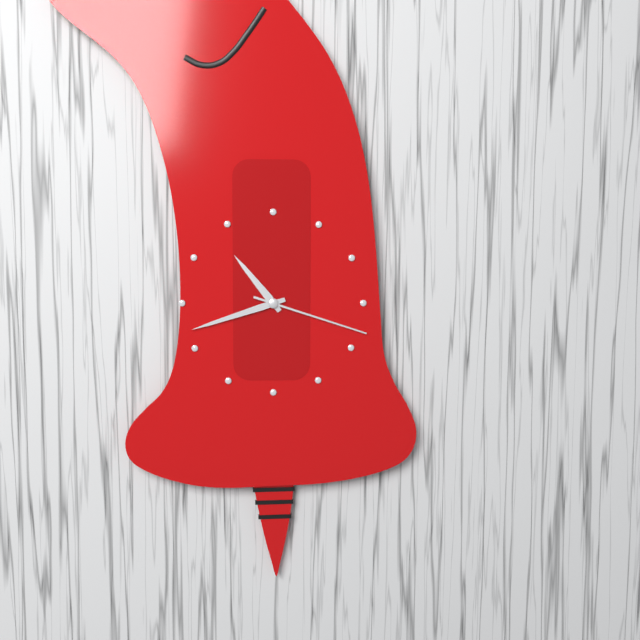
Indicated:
10,42,18
